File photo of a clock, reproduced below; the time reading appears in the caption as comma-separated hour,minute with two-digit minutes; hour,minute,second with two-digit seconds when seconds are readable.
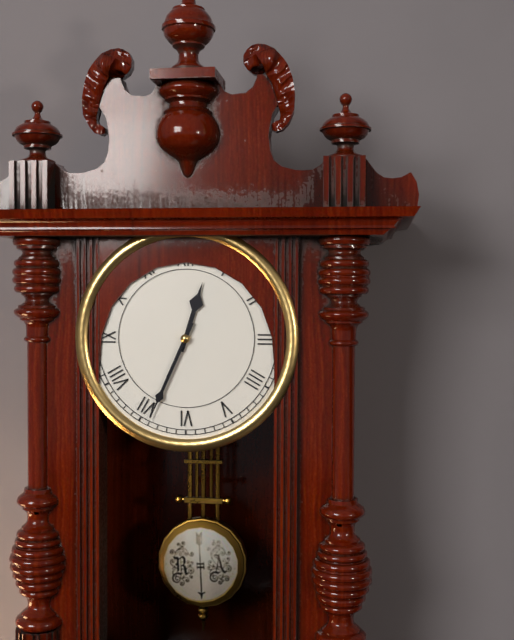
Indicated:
12,34
